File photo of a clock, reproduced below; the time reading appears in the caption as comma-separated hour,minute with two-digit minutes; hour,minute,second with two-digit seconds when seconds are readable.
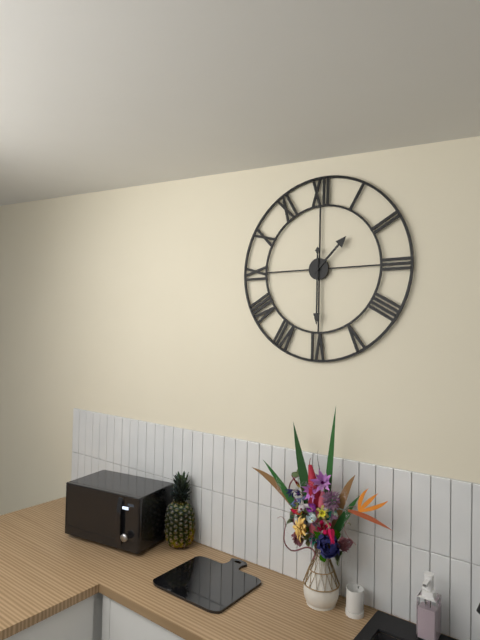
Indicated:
1,30
